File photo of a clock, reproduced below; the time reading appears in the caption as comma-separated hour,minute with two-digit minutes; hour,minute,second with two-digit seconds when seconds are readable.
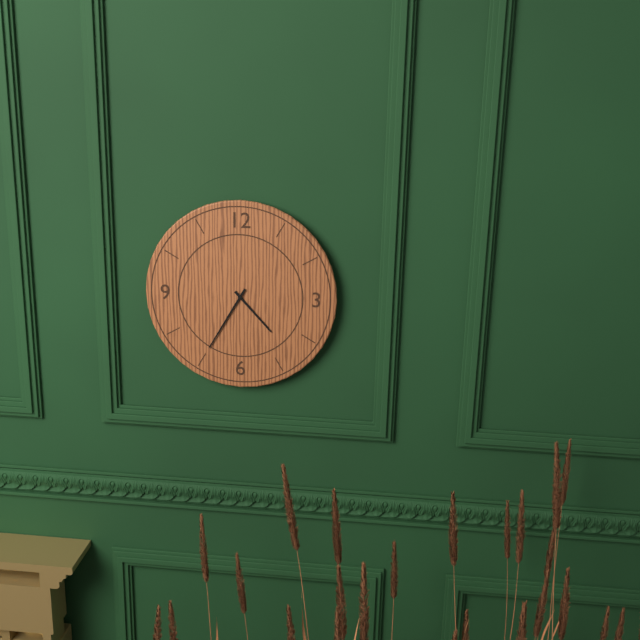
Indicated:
4,35
